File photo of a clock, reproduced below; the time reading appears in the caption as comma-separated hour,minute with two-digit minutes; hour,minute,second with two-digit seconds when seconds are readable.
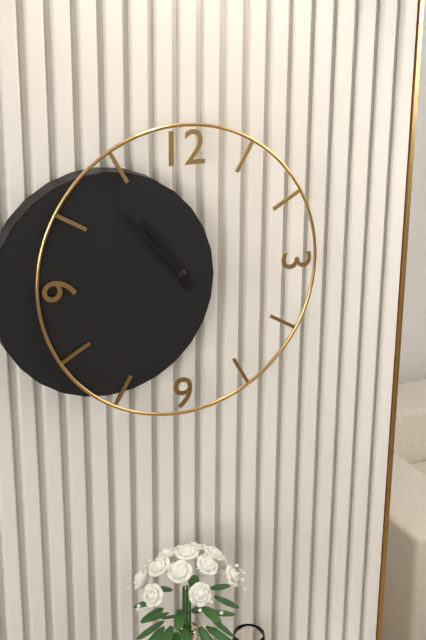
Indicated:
10,53
